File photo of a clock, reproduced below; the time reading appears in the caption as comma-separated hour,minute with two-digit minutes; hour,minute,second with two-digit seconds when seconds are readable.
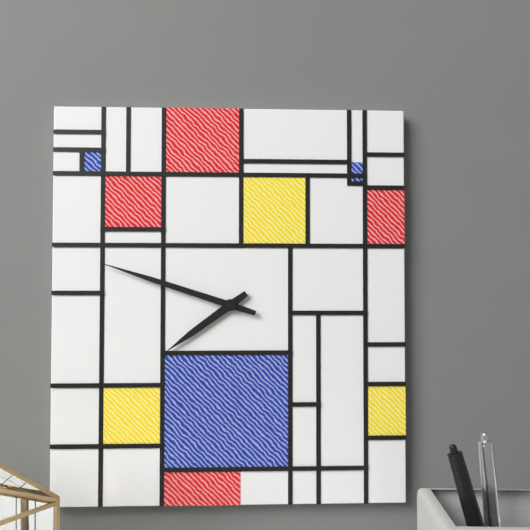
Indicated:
7,48
